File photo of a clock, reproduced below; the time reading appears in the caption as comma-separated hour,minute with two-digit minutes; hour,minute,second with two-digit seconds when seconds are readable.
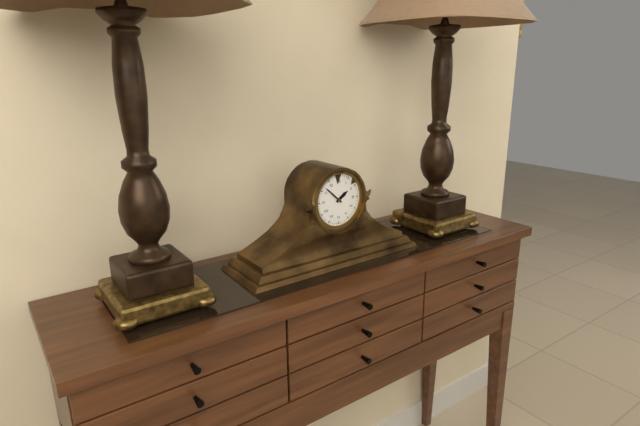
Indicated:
1,52
